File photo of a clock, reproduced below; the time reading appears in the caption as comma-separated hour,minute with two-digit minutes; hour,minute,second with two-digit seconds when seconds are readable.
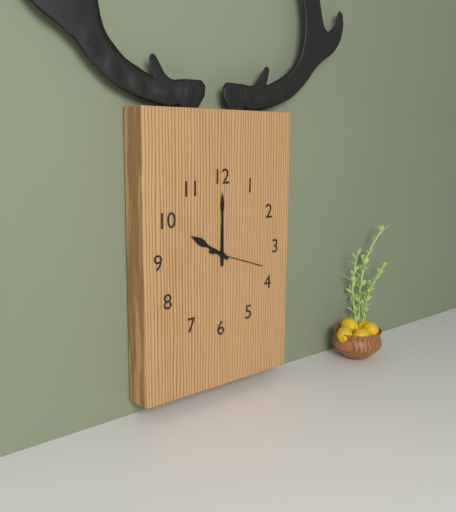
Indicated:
10,00,18
